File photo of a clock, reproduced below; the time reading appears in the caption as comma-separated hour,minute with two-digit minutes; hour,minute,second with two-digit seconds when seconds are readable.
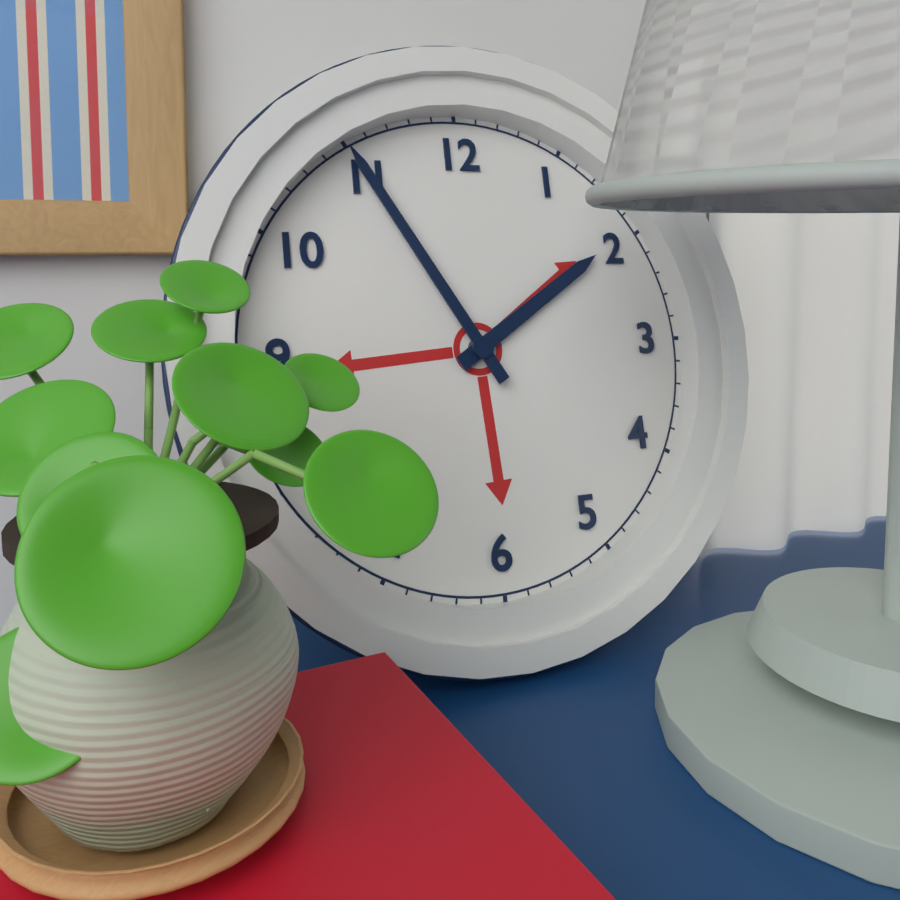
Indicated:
1,55
